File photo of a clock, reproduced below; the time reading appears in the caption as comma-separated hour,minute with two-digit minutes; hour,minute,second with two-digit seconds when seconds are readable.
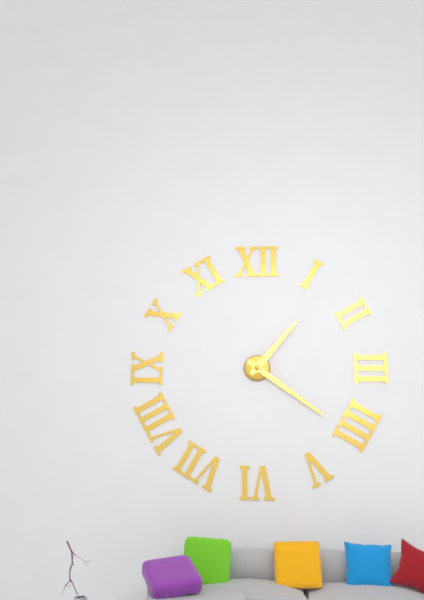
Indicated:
1,21
